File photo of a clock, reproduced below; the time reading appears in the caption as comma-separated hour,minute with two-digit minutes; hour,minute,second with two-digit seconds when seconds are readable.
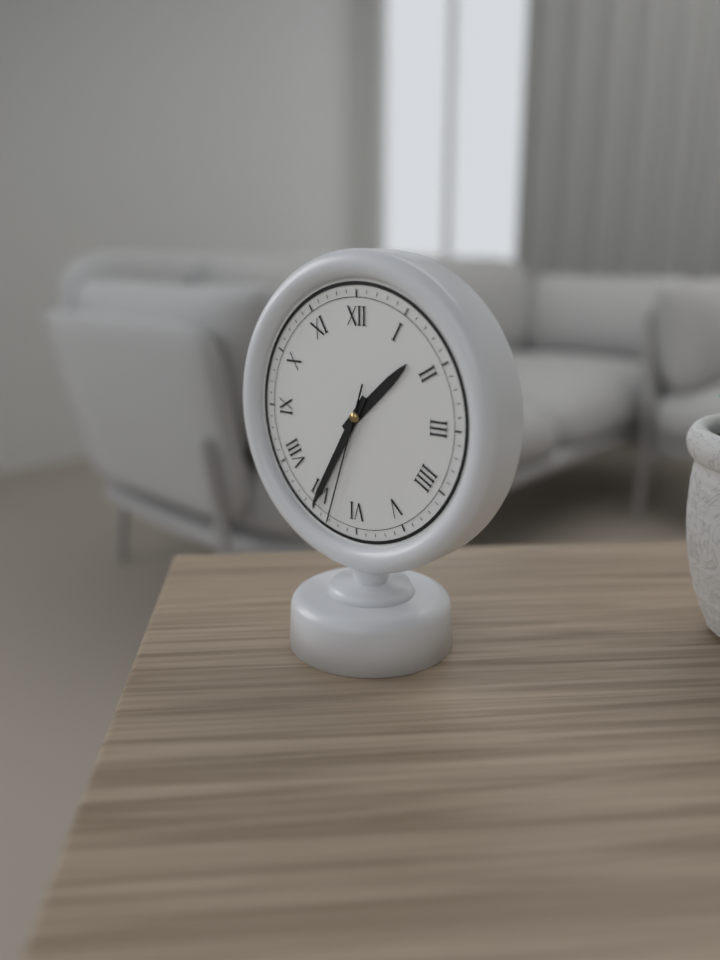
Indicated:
1,35,33
